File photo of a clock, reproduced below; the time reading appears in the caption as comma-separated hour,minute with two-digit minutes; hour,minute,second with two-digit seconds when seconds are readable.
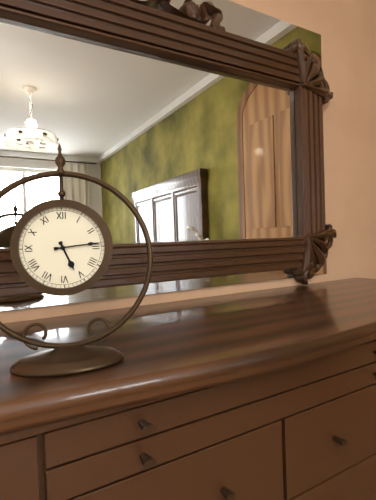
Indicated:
5,14
